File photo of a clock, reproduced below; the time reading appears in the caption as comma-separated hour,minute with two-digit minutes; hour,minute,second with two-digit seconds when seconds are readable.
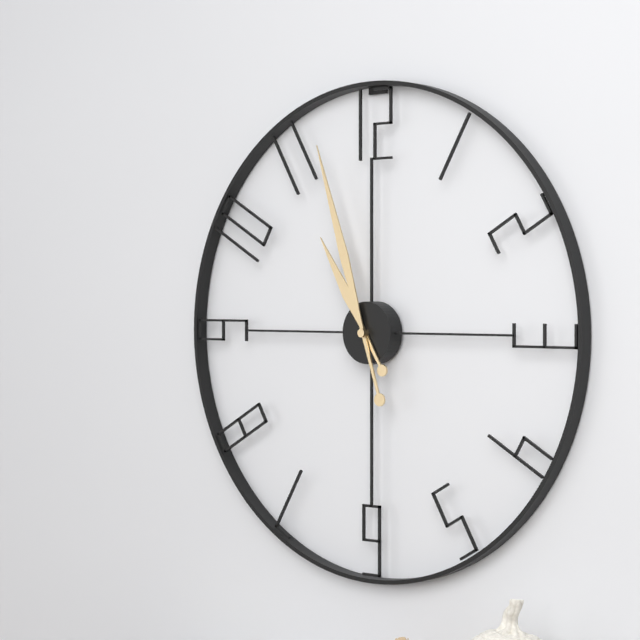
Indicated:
10,57
